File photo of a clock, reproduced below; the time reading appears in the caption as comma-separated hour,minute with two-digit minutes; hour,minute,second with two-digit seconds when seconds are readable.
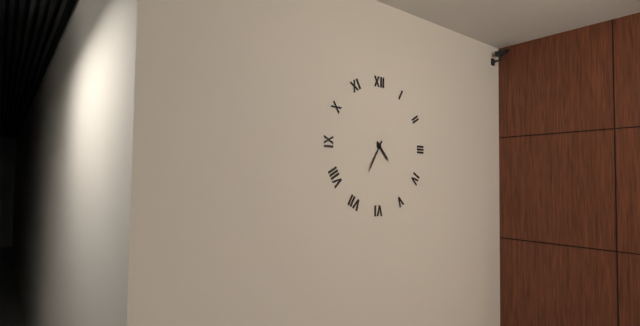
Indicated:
4,35
